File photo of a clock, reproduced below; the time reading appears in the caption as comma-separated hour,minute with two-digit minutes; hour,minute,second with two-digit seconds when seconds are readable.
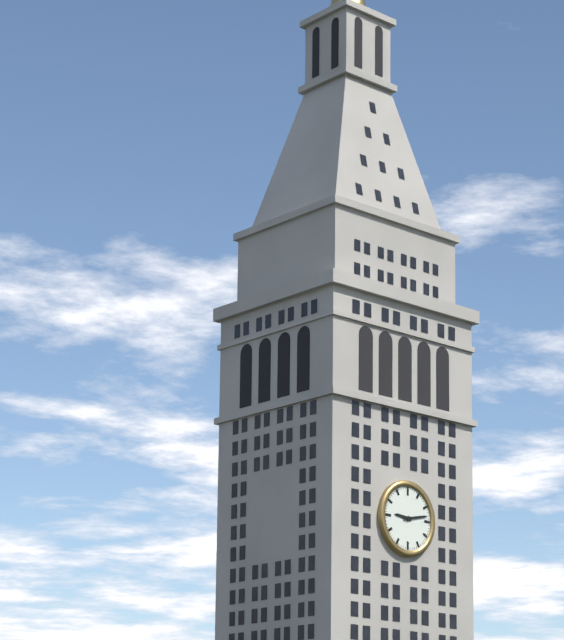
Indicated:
9,13
